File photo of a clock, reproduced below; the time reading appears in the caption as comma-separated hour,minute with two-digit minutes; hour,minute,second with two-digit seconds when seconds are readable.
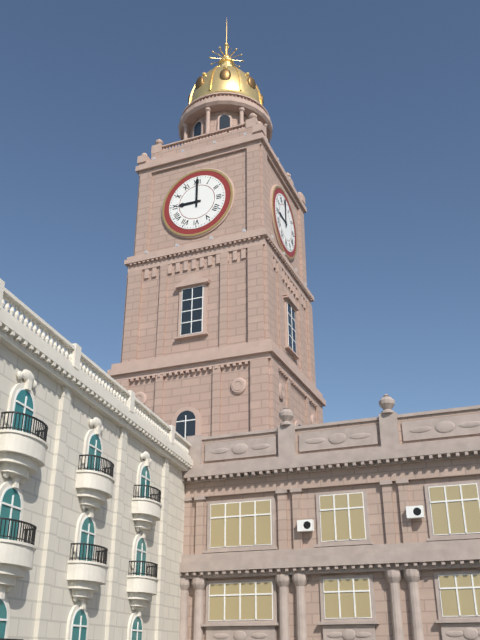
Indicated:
9,00
